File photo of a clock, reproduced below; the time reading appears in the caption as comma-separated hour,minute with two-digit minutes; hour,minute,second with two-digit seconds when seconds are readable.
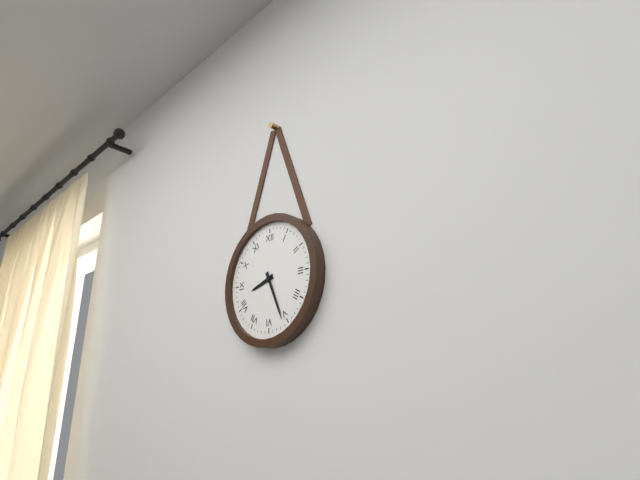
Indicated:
8,26
